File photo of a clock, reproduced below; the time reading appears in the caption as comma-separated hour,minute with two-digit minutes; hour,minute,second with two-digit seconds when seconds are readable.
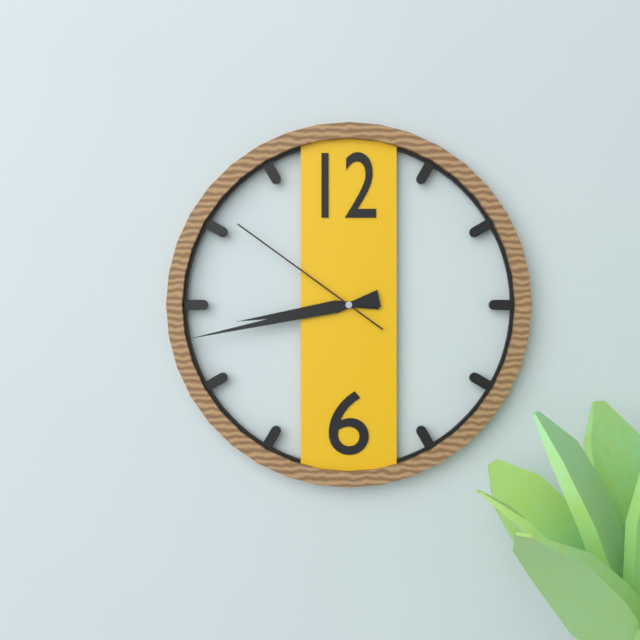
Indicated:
8,43,51
